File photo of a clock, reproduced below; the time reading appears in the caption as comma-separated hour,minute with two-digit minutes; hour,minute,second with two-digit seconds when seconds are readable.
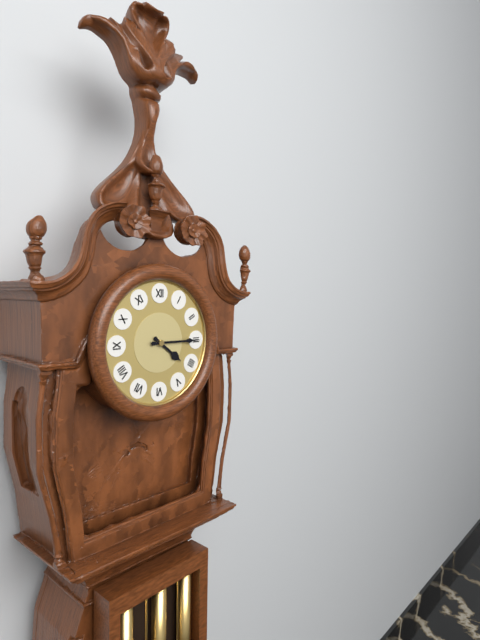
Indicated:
4,15
